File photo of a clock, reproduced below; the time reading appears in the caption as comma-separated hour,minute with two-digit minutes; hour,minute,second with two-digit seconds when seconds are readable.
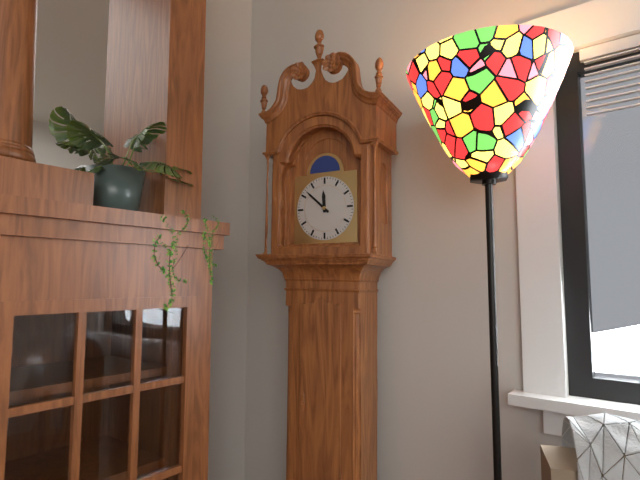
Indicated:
11,52
